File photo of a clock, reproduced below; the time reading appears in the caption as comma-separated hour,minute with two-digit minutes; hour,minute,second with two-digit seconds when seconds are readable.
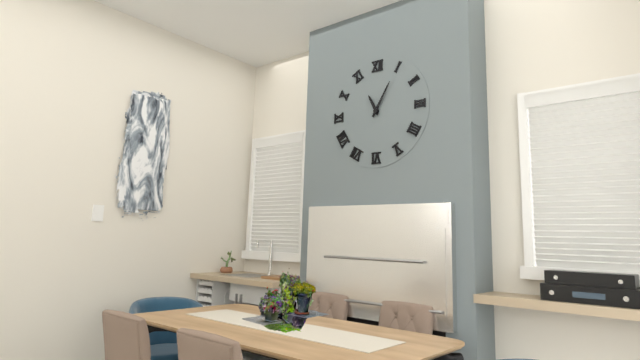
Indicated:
11,05
